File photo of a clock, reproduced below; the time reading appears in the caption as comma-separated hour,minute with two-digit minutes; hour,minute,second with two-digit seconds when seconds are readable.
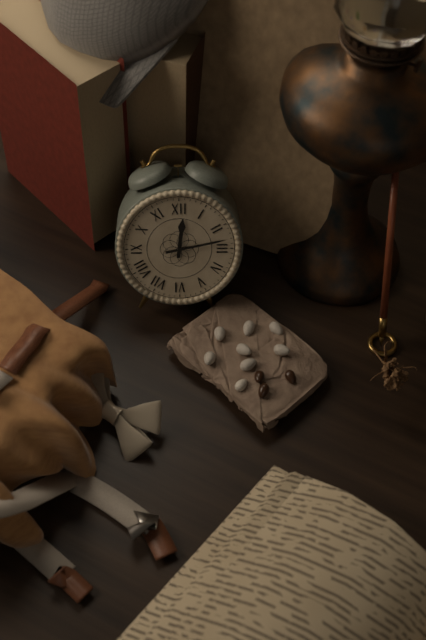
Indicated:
12,13
